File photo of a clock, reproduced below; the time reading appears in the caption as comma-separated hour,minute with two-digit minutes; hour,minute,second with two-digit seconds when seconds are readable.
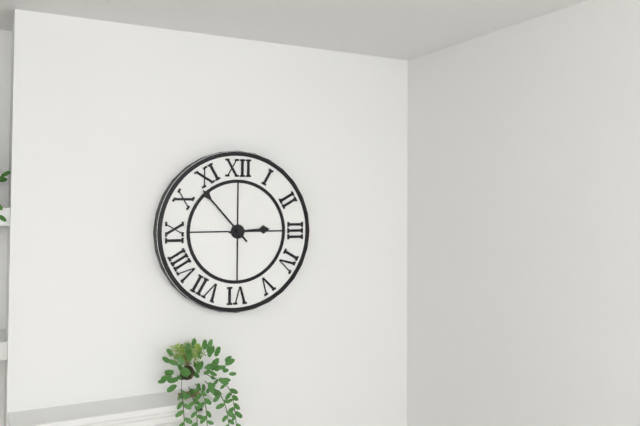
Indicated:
2,53
